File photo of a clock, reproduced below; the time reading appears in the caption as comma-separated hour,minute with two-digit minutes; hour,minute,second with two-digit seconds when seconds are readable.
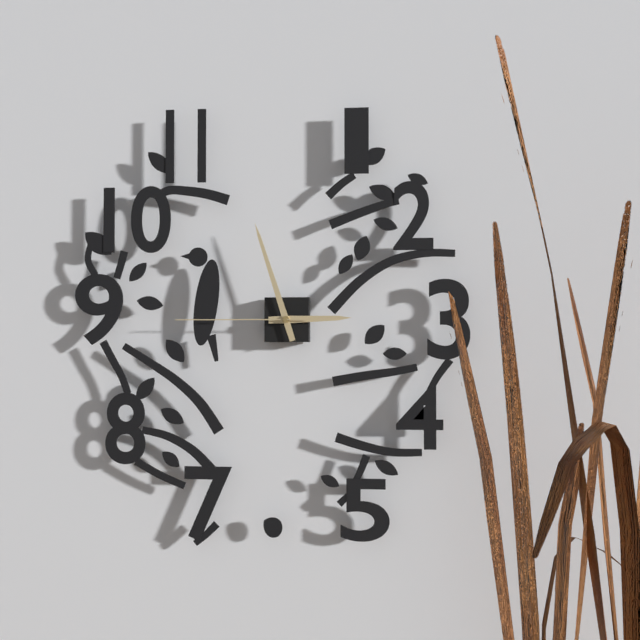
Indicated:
2,57,45
